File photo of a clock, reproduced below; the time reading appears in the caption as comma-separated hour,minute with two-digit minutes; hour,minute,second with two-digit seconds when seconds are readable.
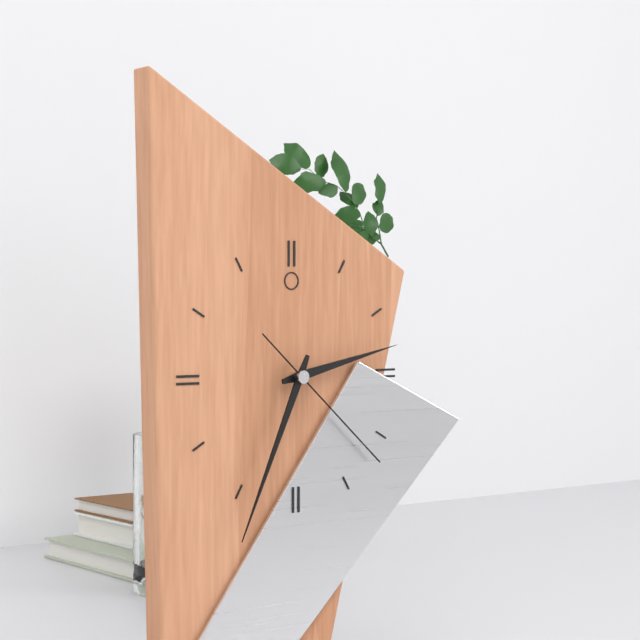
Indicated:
2,34,22
